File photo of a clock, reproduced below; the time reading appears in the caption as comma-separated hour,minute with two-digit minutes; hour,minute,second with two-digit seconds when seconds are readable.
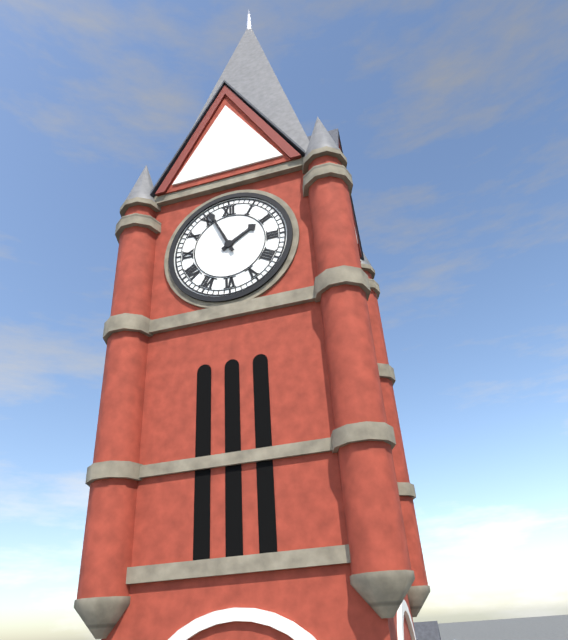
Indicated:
1,56
